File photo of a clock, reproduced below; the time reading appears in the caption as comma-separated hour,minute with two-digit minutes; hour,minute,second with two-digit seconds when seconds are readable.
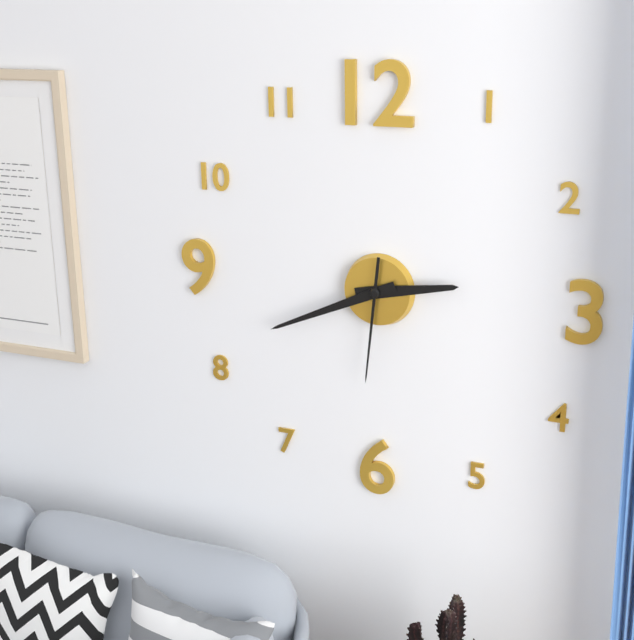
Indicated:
2,41,31
